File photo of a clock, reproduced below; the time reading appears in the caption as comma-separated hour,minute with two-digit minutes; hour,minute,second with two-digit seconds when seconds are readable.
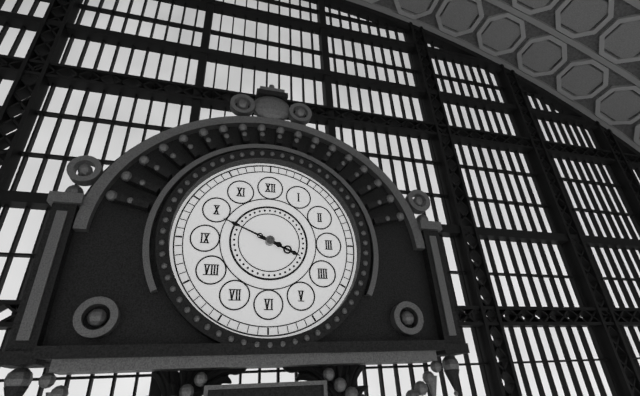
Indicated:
3,49
